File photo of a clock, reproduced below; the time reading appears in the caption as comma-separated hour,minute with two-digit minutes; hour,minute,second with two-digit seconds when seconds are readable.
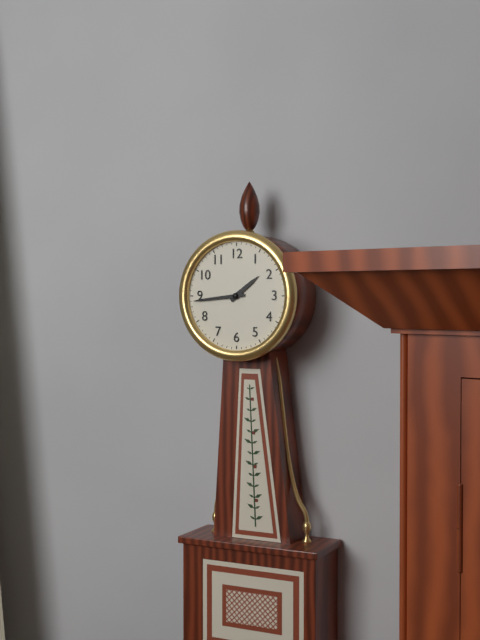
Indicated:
1,44
